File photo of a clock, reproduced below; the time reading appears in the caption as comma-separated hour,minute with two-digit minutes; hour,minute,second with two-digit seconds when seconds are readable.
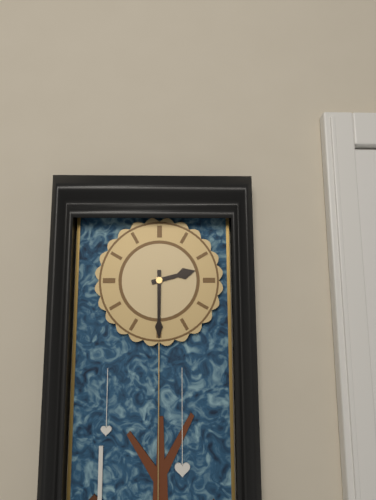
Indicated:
2,30
